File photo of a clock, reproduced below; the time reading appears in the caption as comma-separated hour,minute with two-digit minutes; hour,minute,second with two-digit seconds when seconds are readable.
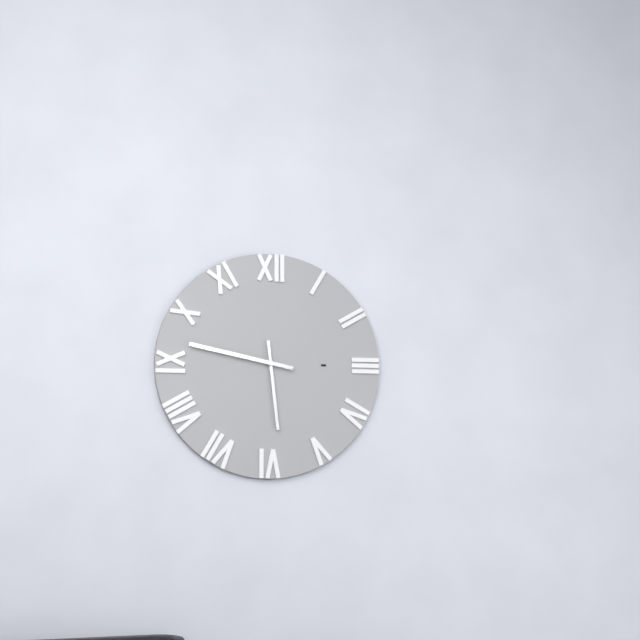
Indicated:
5,47
